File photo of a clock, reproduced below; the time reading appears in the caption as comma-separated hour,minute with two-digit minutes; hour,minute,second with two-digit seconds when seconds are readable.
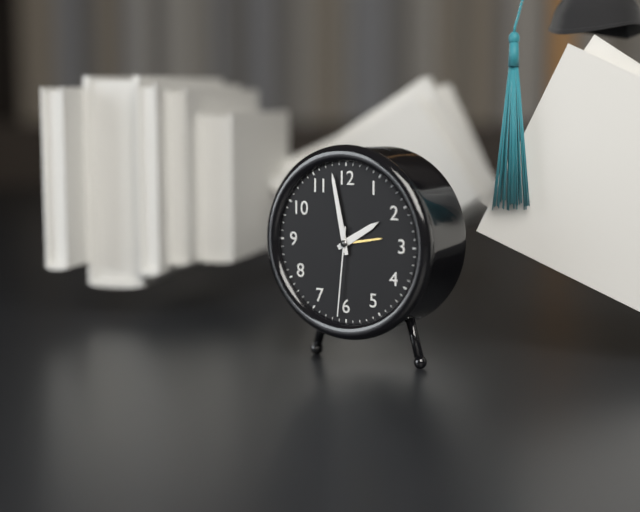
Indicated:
1,58,31
